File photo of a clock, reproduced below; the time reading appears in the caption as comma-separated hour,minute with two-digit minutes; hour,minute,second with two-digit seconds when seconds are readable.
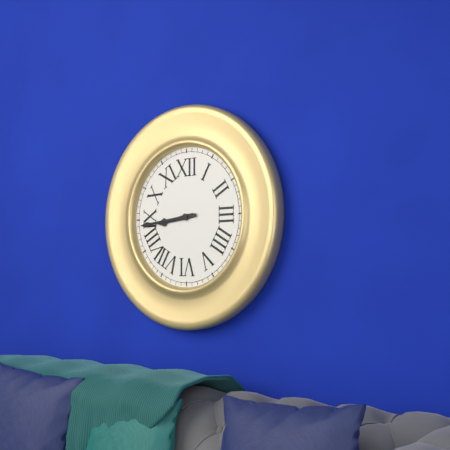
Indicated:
8,44
